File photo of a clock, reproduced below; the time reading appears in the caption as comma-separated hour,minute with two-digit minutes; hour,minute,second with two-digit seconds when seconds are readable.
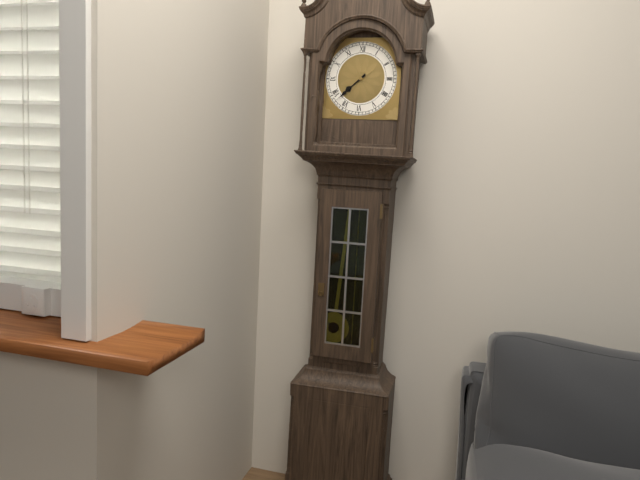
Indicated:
7,38
